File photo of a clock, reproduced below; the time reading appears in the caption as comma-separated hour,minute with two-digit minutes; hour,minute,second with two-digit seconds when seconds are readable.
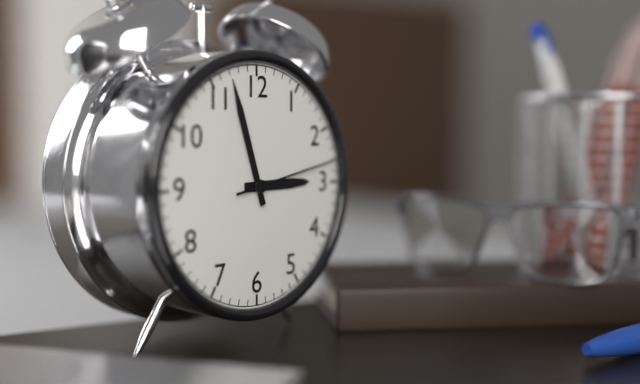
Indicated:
2,57,13
